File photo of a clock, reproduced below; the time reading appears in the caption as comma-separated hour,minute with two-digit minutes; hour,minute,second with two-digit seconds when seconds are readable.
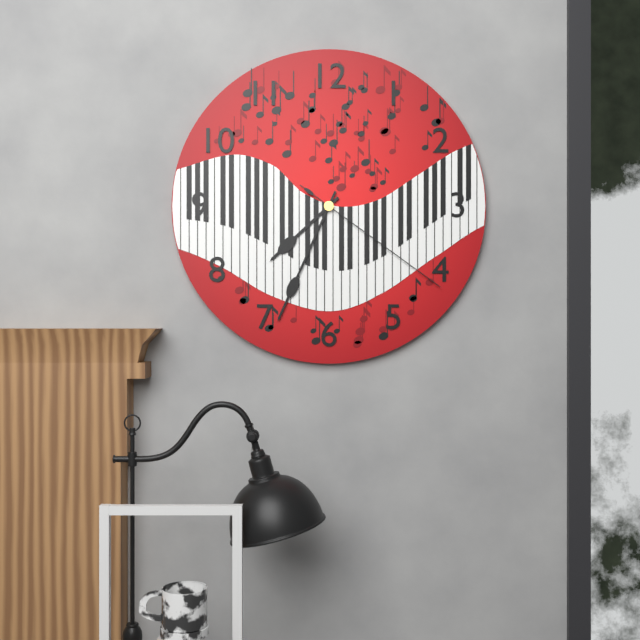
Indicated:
7,34,21
